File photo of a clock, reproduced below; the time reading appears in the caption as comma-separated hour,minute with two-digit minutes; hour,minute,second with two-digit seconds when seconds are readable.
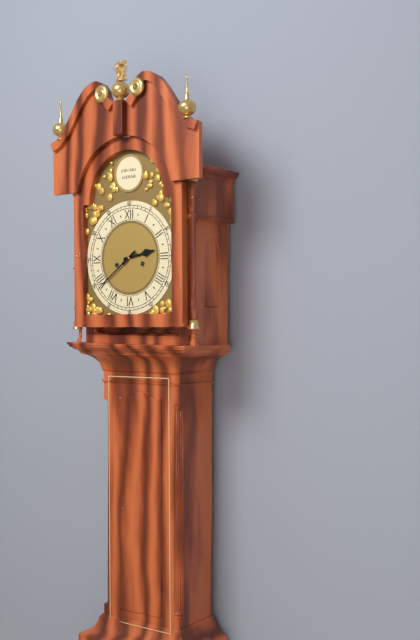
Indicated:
2,39
